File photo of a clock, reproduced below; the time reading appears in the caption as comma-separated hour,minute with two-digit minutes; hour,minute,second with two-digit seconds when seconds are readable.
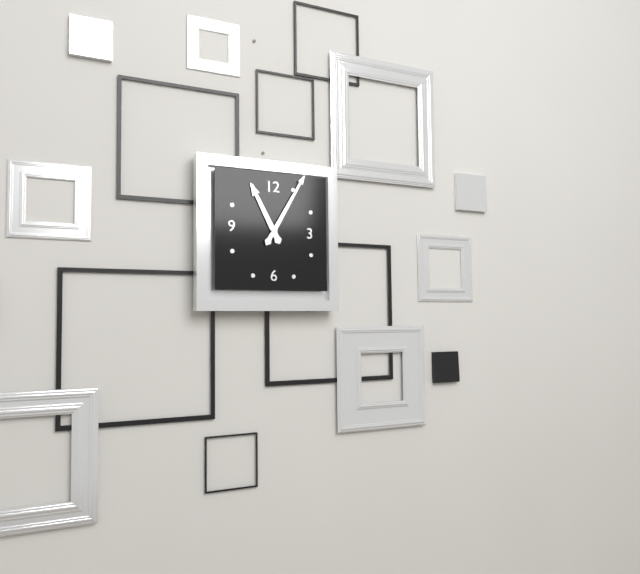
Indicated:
11,05
